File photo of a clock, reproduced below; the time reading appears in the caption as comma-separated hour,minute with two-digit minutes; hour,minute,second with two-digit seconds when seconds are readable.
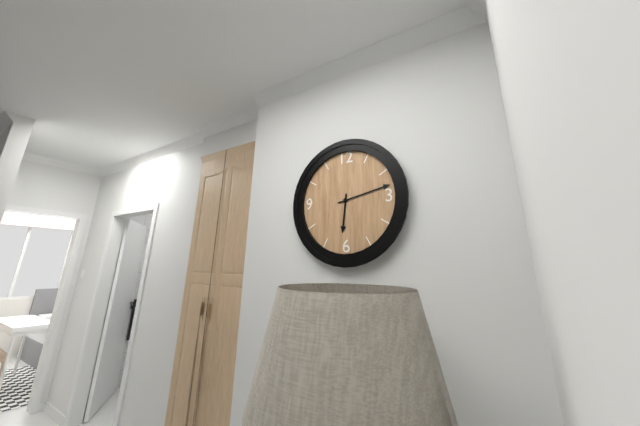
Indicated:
6,13
